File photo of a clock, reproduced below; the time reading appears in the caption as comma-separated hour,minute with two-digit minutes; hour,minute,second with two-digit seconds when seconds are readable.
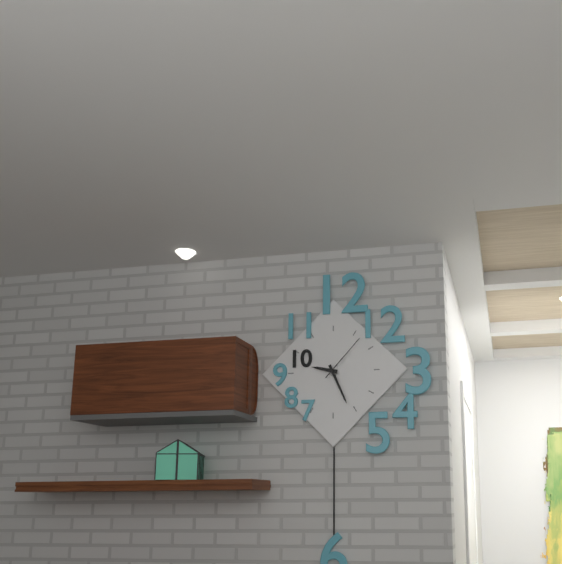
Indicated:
9,26,07
